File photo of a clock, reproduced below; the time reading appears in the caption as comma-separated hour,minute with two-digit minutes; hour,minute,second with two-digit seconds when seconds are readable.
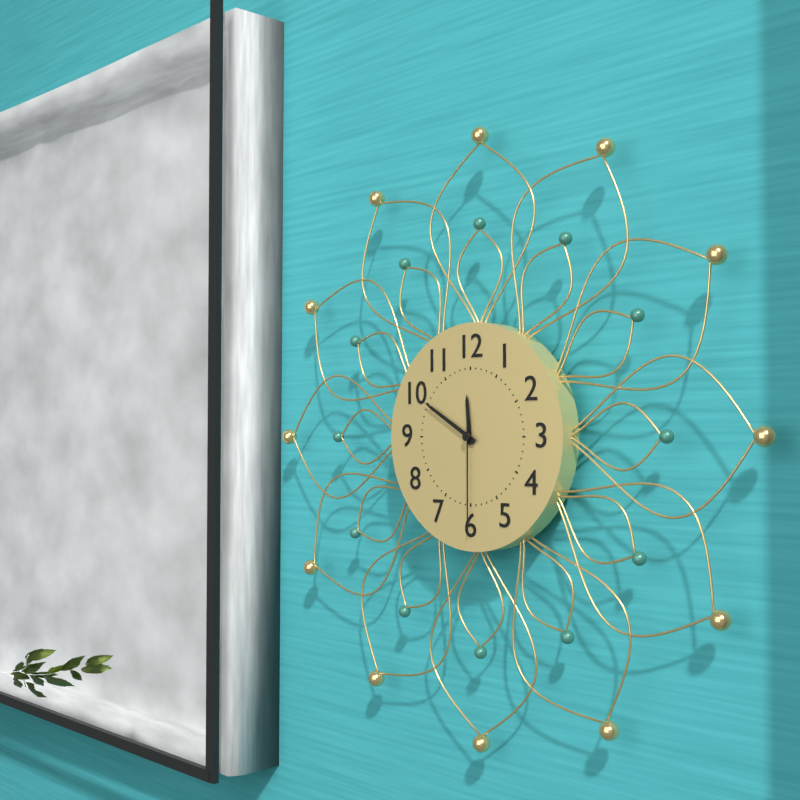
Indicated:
11,50,30
